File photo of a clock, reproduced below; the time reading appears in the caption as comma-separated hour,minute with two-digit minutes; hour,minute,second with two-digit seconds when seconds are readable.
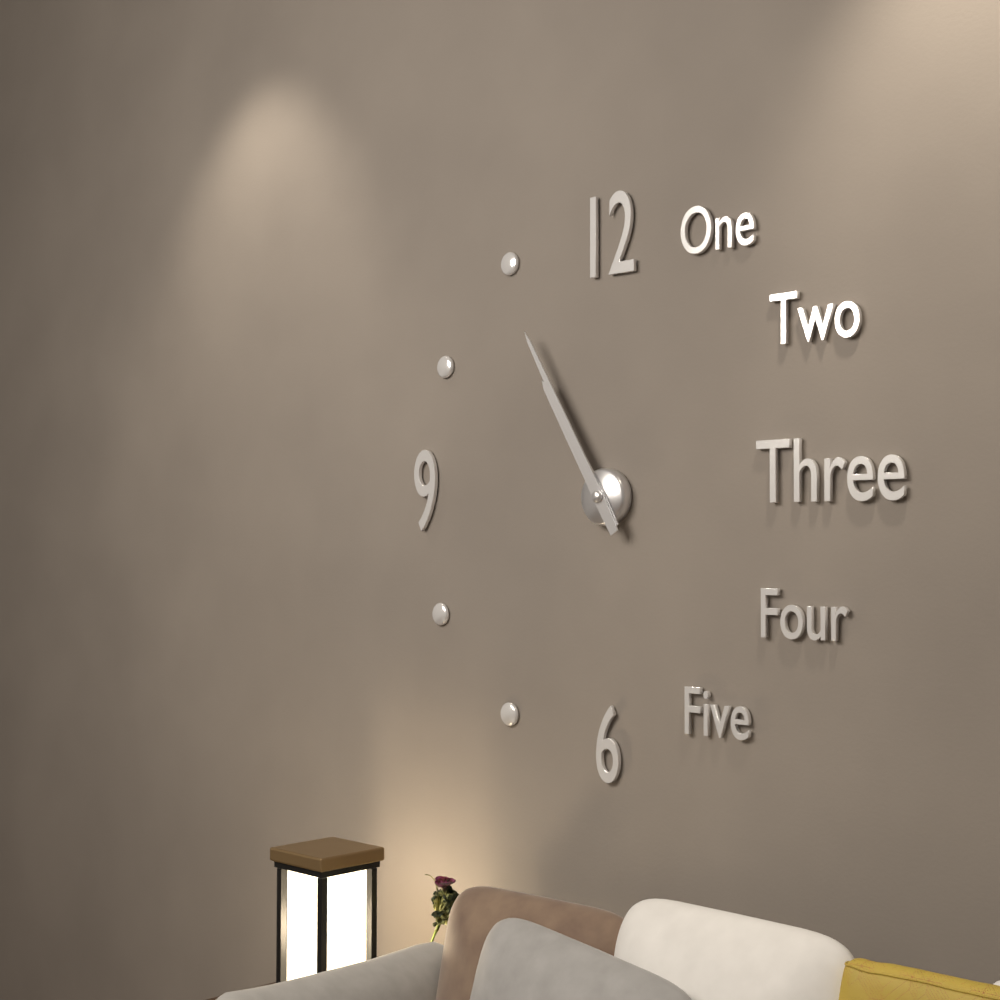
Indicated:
10,55
